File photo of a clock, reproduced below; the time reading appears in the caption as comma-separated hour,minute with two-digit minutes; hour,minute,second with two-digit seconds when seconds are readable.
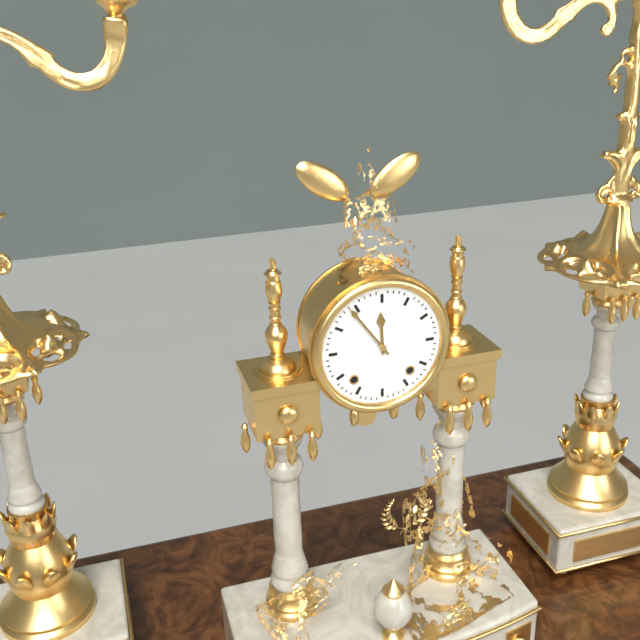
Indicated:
11,54
